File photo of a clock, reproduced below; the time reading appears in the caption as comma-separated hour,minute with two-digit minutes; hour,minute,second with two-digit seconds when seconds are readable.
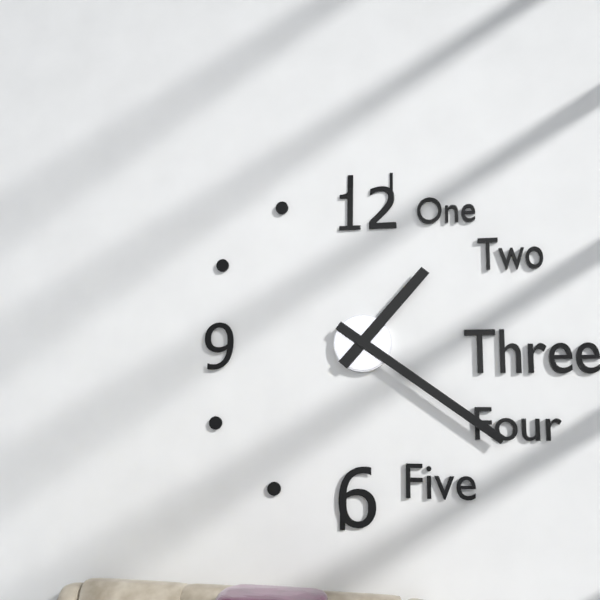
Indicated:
1,21
